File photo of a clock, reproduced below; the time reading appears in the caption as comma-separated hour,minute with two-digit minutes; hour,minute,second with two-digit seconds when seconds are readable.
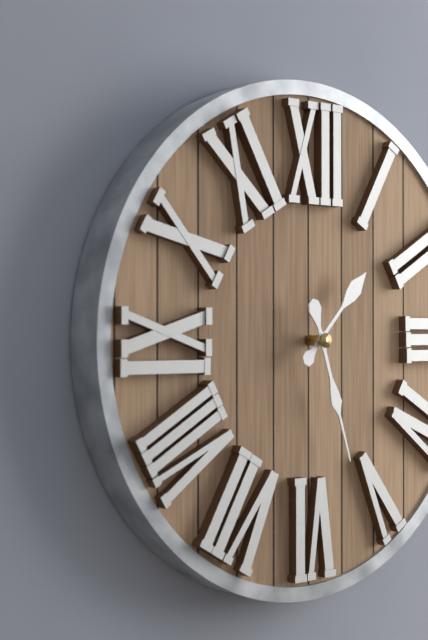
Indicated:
1,27
